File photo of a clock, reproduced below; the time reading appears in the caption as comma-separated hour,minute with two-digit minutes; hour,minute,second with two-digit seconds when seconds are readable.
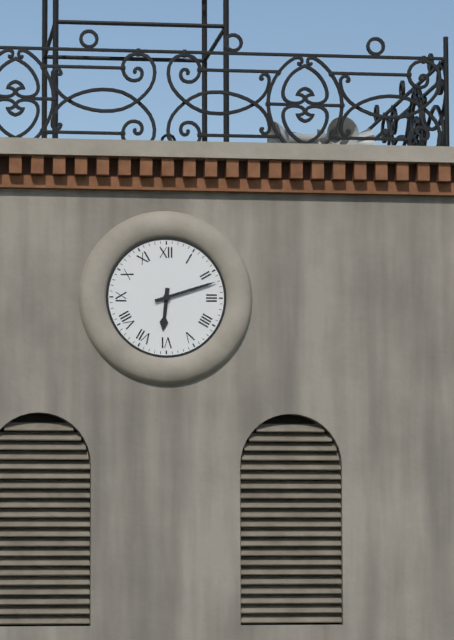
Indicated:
6,12
